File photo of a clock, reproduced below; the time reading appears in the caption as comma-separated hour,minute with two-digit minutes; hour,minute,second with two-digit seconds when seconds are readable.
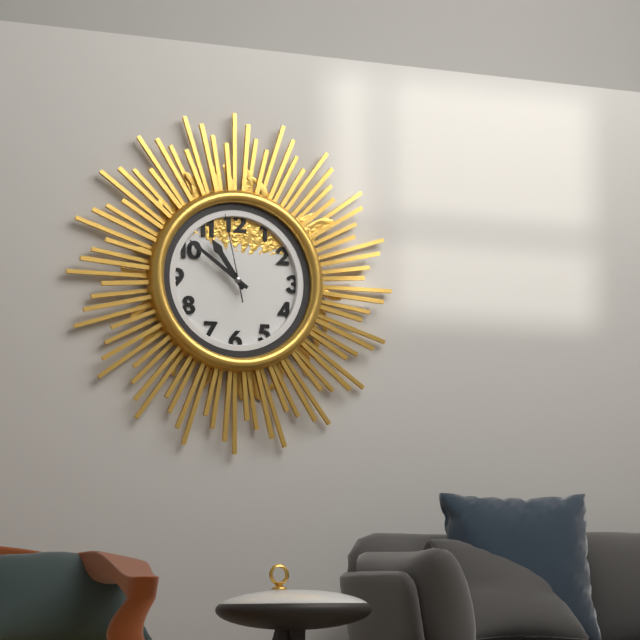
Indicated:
10,51,58
